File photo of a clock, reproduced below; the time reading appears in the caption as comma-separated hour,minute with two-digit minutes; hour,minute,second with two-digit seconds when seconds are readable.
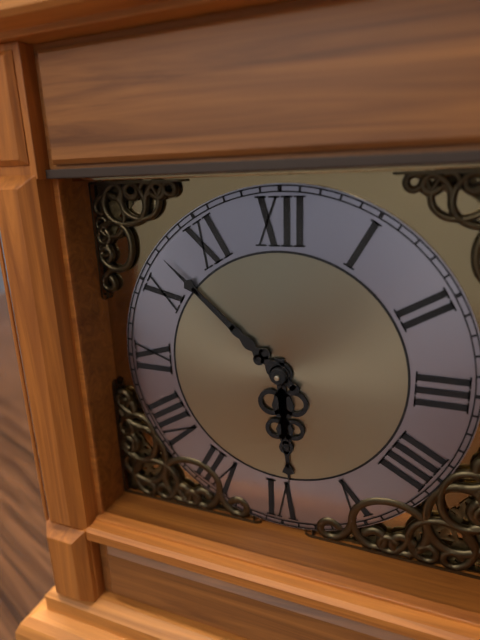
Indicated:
5,52
